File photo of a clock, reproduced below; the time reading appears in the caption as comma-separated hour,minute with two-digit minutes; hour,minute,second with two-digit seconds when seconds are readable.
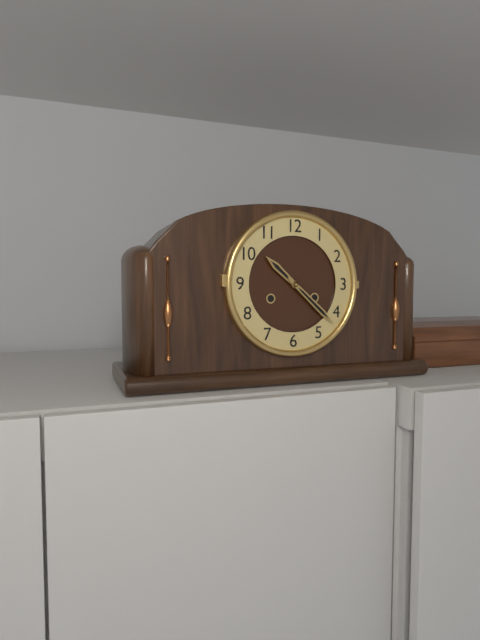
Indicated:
10,22
